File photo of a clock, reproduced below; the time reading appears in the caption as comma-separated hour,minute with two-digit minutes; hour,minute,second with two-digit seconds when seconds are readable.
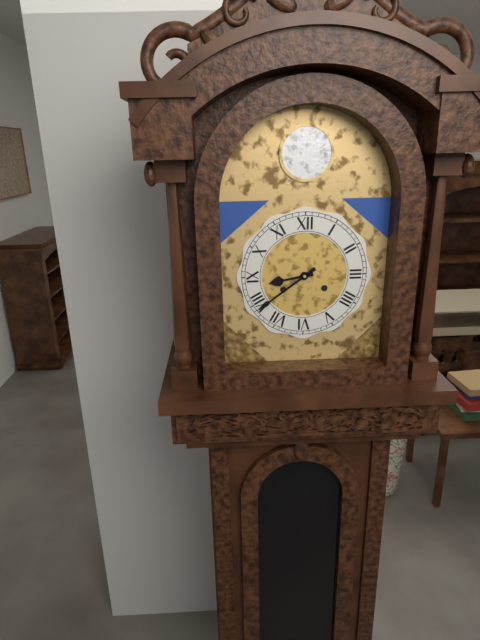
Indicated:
8,39
